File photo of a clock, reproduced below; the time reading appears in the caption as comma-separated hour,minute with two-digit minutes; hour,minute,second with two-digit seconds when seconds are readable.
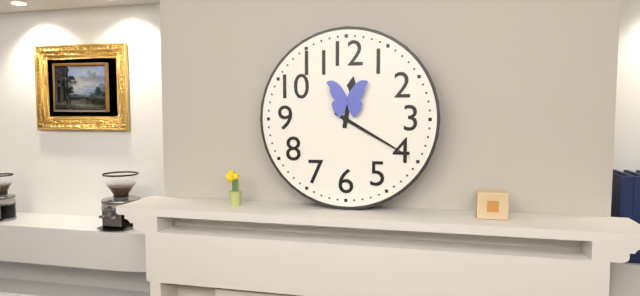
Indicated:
12,20
